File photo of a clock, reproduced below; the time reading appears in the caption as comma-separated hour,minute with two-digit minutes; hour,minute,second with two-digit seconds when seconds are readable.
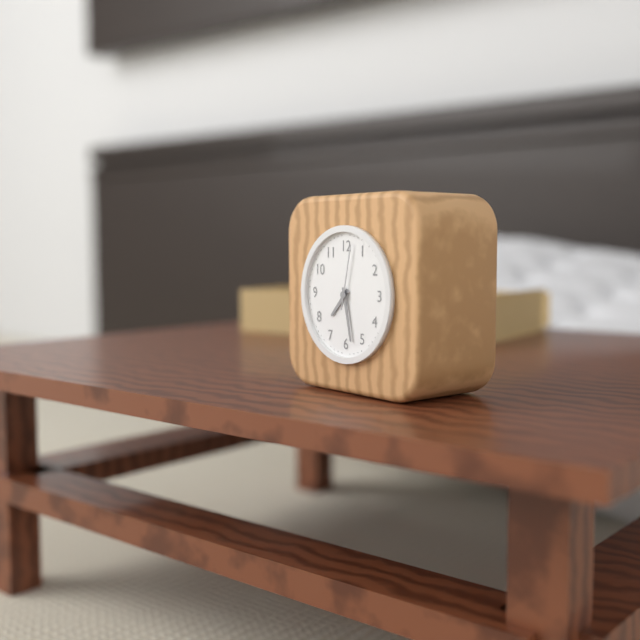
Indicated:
7,28,02
